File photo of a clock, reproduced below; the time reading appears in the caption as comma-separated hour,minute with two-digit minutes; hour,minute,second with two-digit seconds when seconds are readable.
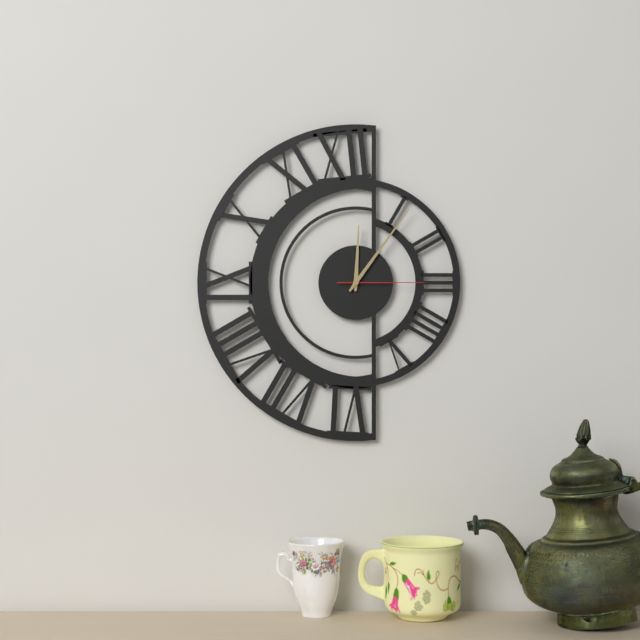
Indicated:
12,06,15
